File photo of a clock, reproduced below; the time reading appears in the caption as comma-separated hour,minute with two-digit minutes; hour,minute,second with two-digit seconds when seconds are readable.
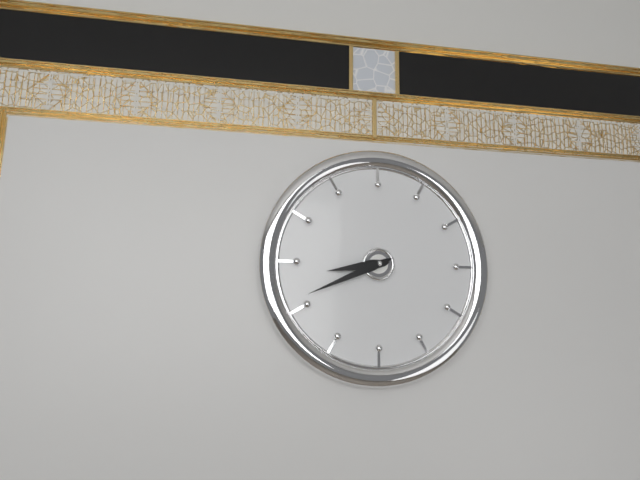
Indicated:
8,41
